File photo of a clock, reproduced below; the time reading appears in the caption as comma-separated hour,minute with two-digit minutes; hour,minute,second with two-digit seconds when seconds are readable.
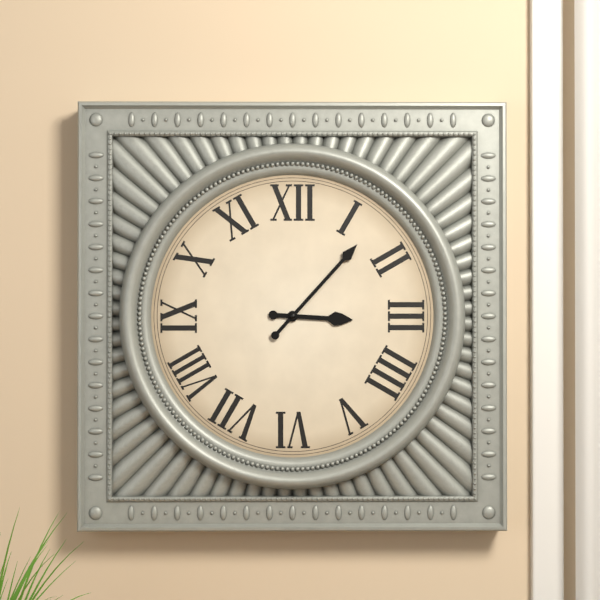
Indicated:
3,07
